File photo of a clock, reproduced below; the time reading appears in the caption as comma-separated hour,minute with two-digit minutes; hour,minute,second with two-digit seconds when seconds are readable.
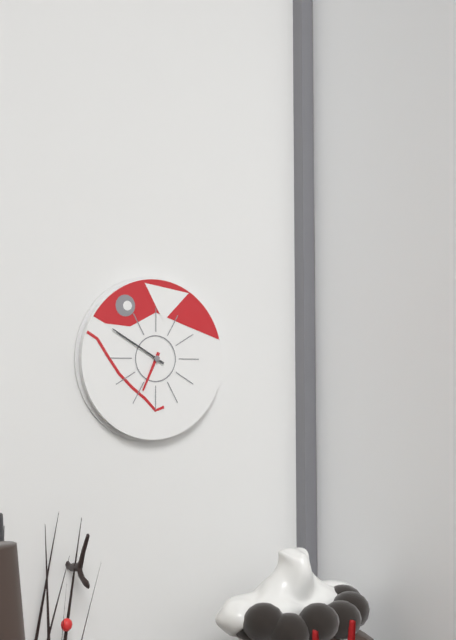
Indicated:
6,50
